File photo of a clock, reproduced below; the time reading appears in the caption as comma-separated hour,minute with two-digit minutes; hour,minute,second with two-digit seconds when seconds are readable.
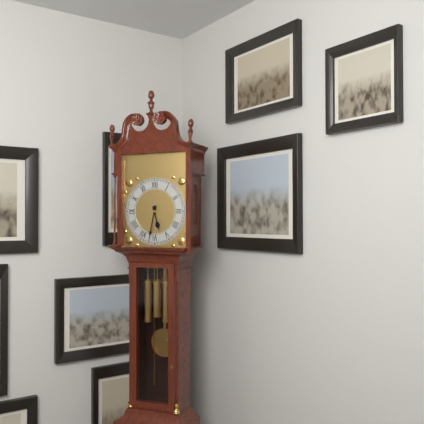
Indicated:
5,32
